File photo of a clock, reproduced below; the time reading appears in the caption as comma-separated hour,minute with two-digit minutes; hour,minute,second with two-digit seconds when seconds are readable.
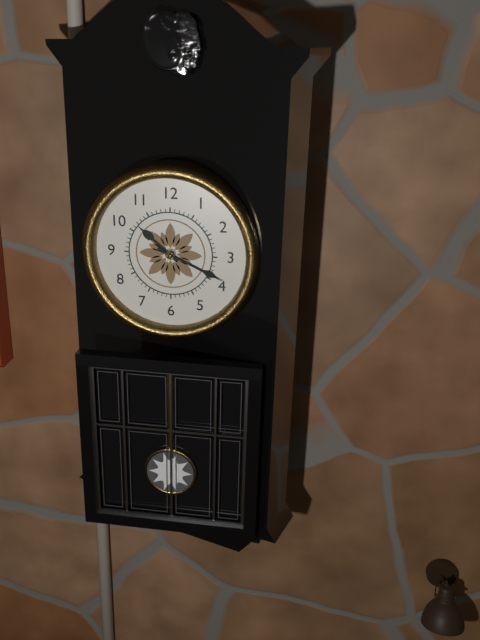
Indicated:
10,19
